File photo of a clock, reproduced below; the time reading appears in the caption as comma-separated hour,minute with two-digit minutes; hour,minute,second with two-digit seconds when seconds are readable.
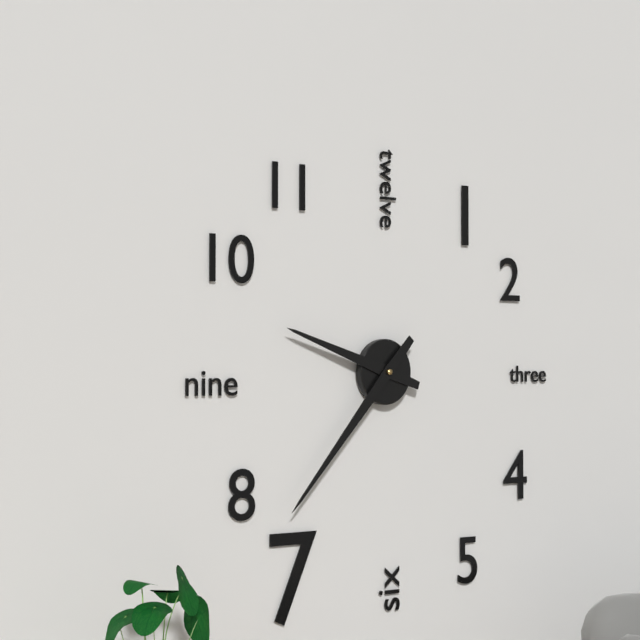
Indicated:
9,37
